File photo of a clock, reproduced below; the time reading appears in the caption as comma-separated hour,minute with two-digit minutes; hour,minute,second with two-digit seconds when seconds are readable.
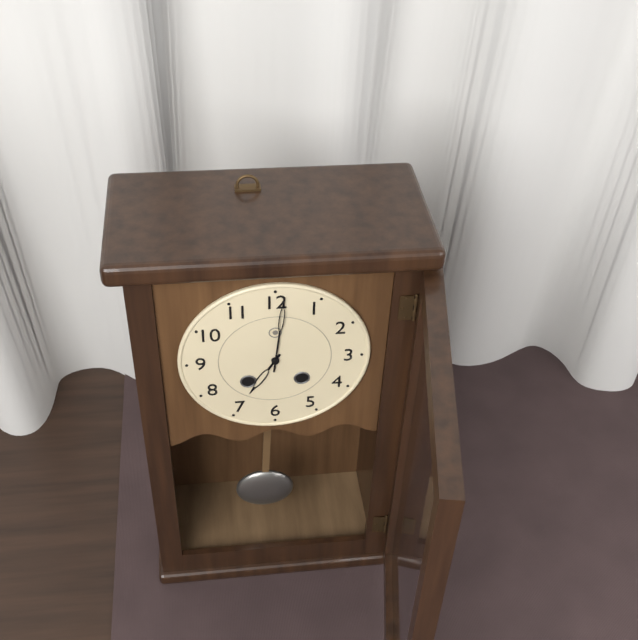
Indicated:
7,01
